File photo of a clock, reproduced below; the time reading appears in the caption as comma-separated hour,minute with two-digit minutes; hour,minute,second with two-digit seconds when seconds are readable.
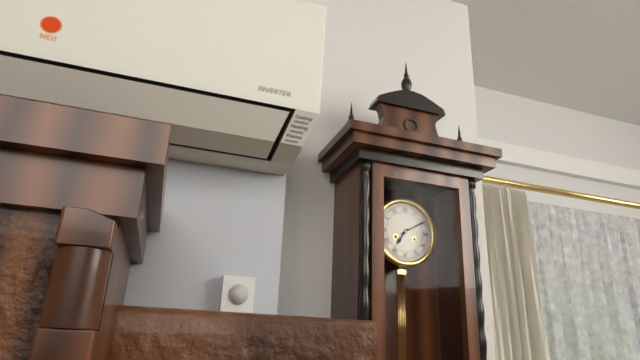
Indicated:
7,10
